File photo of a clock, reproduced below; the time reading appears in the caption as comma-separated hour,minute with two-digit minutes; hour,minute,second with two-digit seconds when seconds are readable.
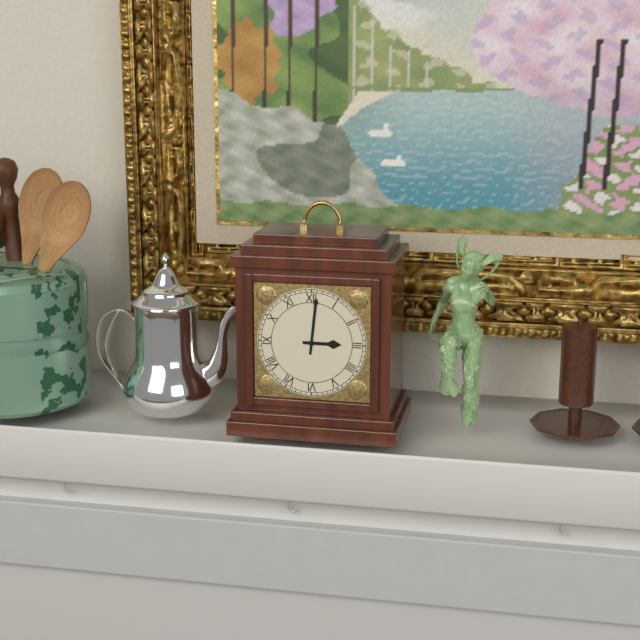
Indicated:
3,01
